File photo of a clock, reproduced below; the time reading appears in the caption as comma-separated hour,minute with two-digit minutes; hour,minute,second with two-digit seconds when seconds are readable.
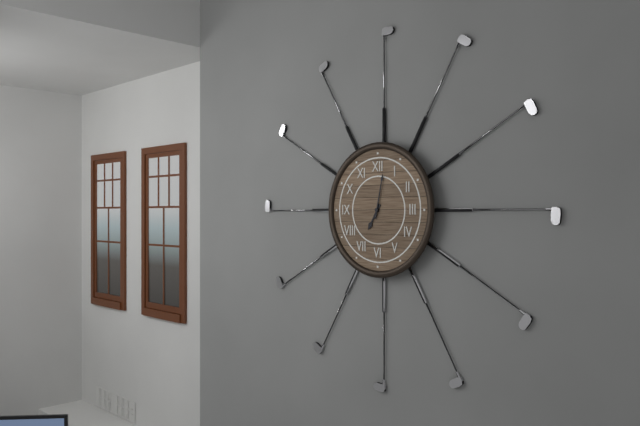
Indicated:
7,02
